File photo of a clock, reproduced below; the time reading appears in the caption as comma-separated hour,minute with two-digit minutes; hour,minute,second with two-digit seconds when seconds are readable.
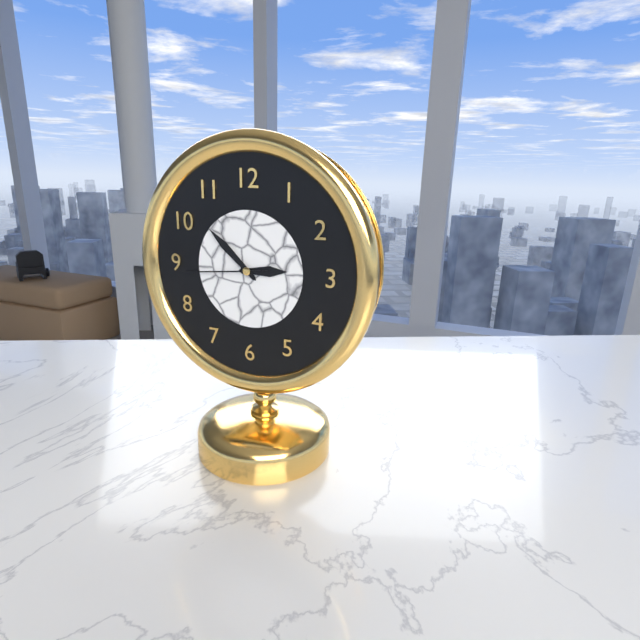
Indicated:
2,52,44
